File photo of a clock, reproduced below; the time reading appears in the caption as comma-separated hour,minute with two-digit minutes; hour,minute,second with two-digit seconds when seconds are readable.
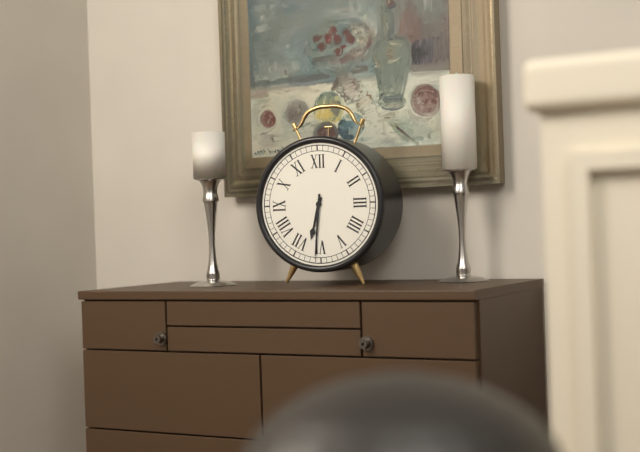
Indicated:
6,31
